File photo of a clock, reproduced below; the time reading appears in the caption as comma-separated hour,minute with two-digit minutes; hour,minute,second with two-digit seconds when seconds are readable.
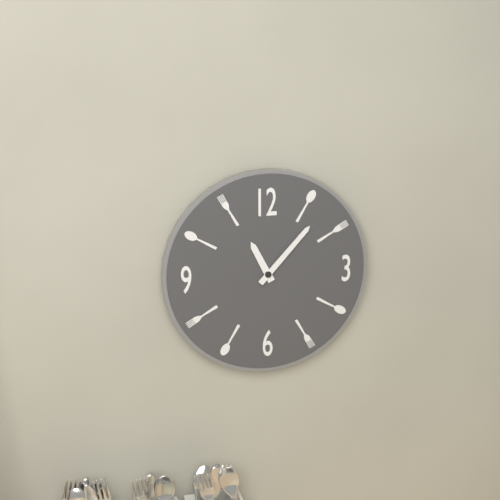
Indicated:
11,07
